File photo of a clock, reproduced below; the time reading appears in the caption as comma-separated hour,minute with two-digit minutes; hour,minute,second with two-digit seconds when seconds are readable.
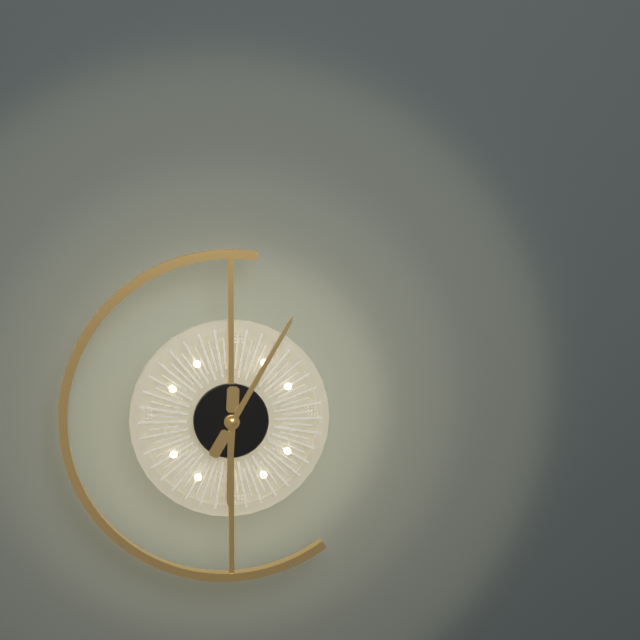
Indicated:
6,05
